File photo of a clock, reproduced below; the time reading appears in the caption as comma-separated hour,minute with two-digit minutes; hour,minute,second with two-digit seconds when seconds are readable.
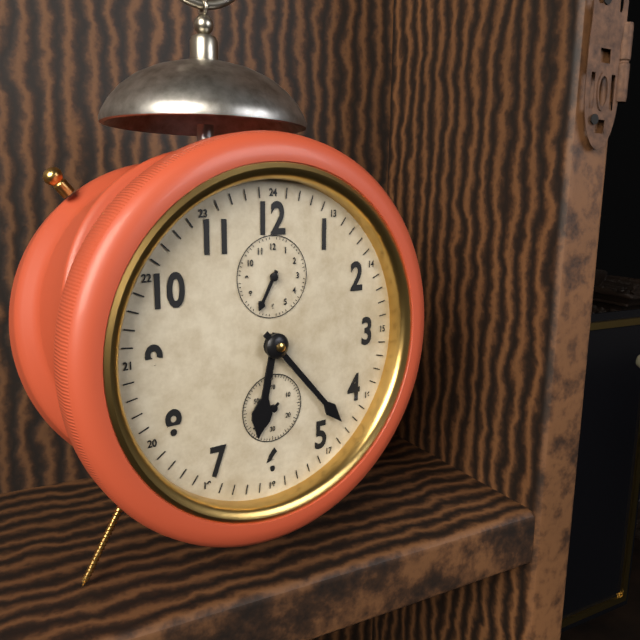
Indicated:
6,23
